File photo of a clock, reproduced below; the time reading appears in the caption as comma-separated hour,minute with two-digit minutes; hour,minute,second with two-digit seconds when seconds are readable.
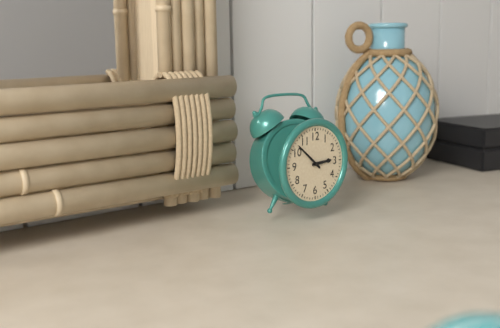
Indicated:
2,52
